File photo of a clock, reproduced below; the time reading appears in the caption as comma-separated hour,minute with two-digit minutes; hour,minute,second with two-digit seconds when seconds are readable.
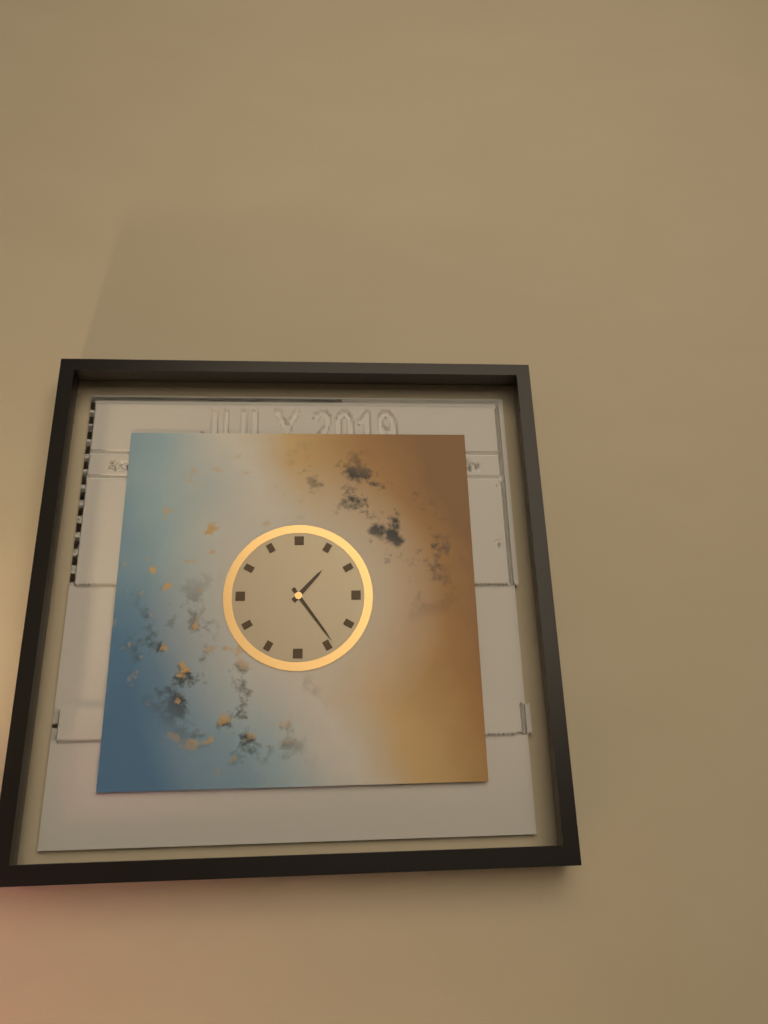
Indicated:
1,24
